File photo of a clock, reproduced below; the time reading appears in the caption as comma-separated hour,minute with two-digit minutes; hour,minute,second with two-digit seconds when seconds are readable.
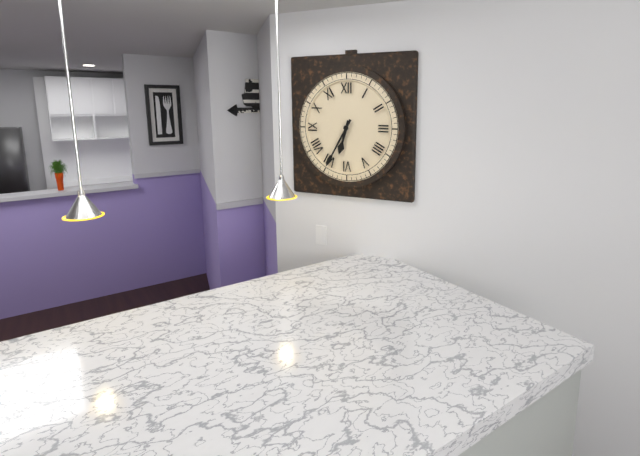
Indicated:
6,35
